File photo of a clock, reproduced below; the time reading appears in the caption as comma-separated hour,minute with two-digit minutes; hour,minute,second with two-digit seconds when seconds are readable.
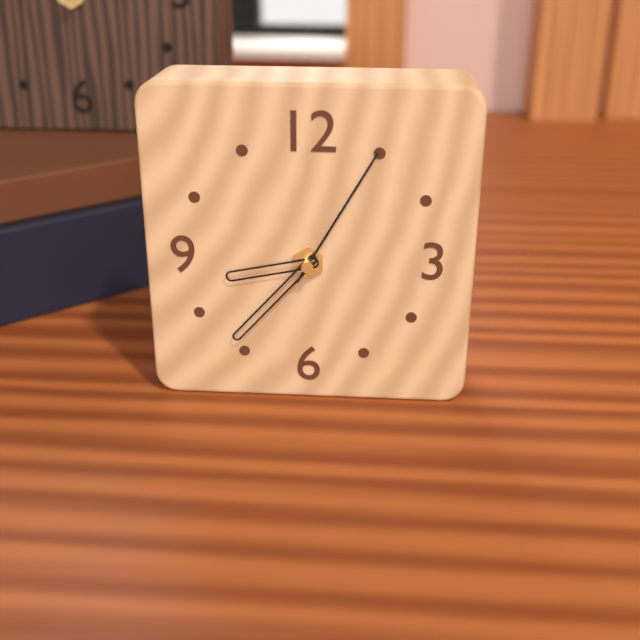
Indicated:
8,37,05
